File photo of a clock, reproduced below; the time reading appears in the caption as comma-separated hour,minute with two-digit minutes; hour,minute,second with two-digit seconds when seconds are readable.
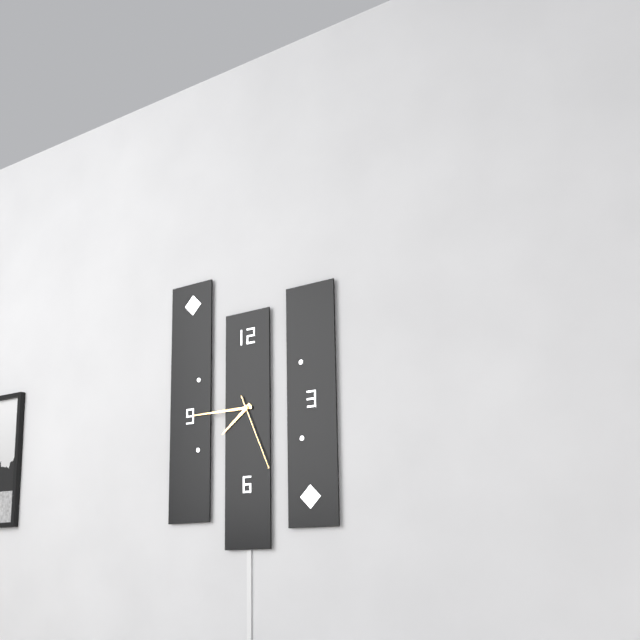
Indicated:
7,45,26
